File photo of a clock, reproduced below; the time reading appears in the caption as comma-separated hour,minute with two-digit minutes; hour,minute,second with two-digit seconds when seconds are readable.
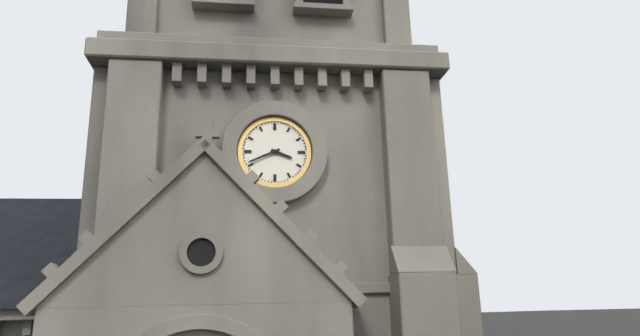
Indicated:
3,41
